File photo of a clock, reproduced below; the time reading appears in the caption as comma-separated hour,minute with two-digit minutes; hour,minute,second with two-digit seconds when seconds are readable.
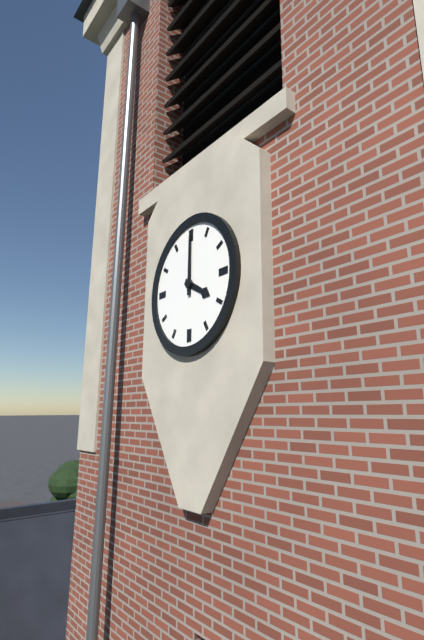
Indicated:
4,00
